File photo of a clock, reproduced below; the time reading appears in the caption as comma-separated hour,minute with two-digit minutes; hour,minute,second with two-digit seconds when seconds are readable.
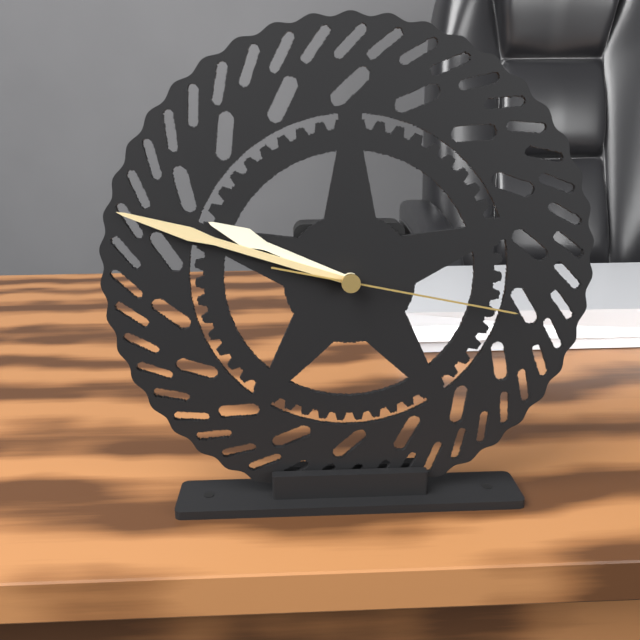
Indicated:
9,48,17
